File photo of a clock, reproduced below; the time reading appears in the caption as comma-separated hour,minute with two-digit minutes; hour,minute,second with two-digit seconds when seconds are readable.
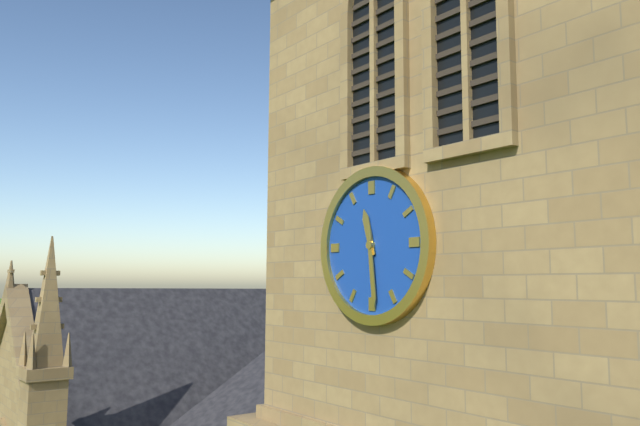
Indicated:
11,29
